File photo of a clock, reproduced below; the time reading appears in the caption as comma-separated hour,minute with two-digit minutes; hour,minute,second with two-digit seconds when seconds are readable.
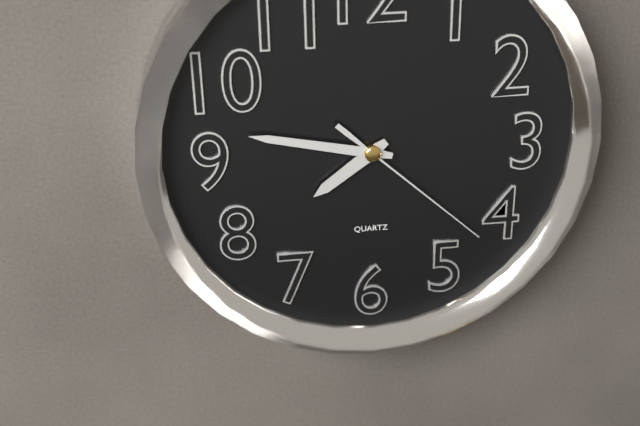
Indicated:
7,47,22
